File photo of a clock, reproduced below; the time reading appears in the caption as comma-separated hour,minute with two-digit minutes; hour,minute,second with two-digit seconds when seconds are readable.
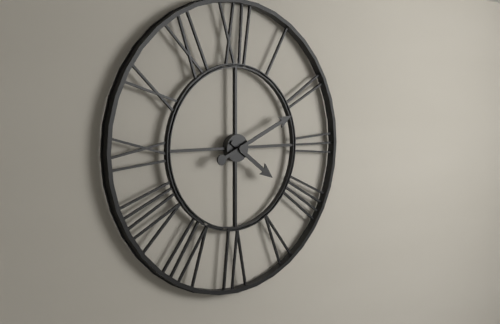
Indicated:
4,11
